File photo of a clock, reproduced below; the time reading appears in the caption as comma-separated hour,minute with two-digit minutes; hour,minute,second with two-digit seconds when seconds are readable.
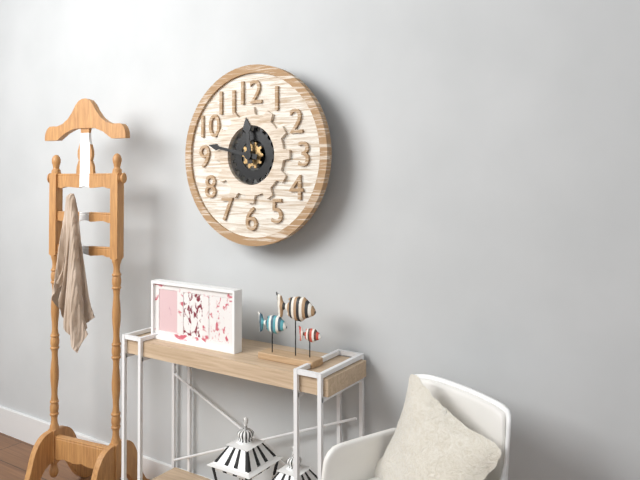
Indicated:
11,47
